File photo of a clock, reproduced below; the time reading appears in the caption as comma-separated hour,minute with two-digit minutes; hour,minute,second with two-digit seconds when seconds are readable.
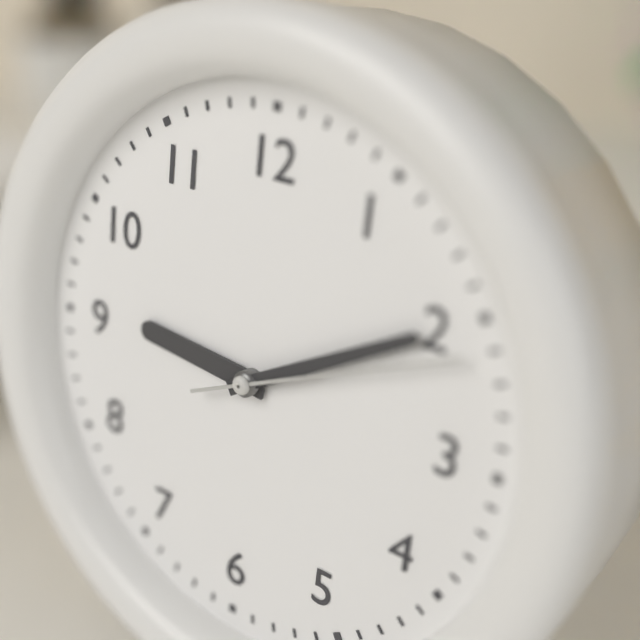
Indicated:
9,10,11
